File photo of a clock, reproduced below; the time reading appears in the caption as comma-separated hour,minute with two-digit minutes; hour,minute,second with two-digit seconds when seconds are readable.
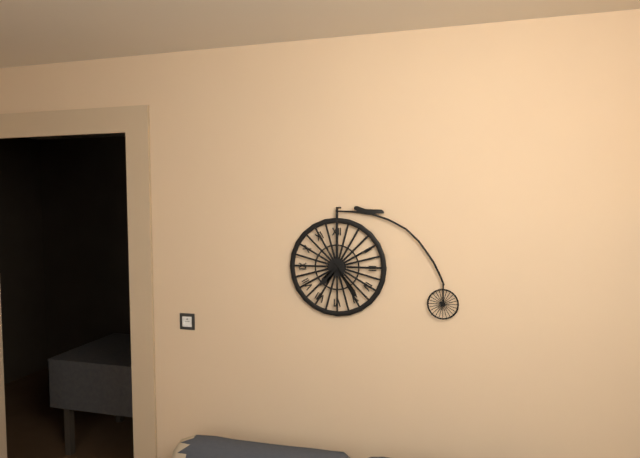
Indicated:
7,24
